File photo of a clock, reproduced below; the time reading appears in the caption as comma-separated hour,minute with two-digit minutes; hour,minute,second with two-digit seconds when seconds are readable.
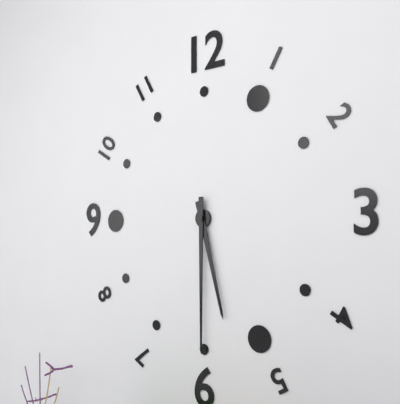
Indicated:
5,30
